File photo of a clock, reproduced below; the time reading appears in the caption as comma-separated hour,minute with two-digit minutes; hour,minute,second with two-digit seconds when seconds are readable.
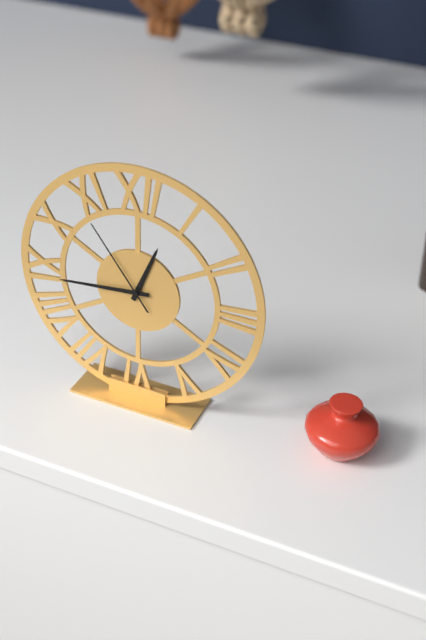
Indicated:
12,44,54
